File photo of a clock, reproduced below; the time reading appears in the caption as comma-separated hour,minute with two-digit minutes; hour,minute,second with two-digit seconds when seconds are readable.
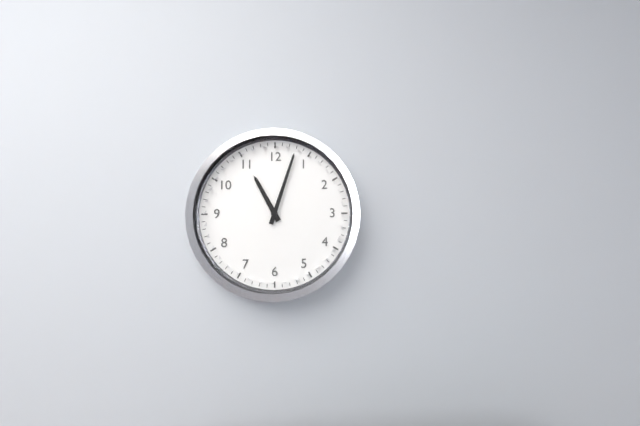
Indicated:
11,03
